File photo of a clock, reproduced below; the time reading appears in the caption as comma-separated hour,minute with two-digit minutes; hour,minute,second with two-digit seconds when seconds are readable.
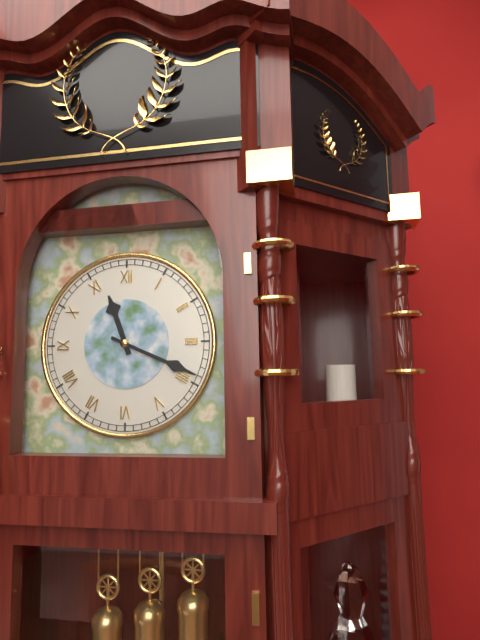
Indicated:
11,19
